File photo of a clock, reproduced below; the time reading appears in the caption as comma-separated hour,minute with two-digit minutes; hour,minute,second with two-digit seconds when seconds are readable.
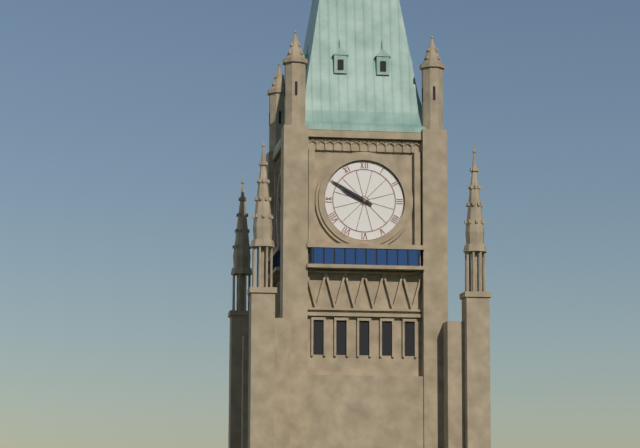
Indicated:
9,50
